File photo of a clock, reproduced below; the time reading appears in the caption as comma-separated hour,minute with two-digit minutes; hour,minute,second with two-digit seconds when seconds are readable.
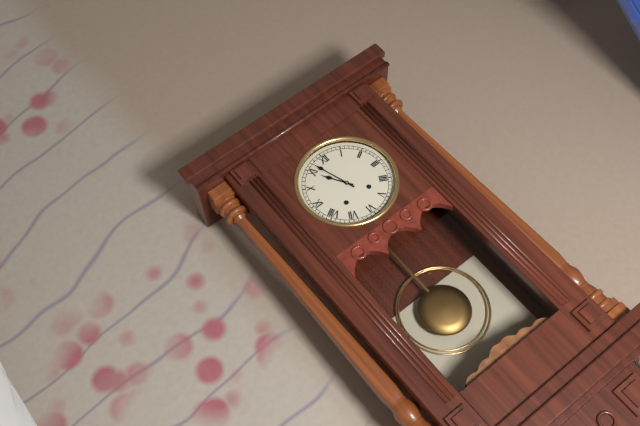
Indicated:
10,57
